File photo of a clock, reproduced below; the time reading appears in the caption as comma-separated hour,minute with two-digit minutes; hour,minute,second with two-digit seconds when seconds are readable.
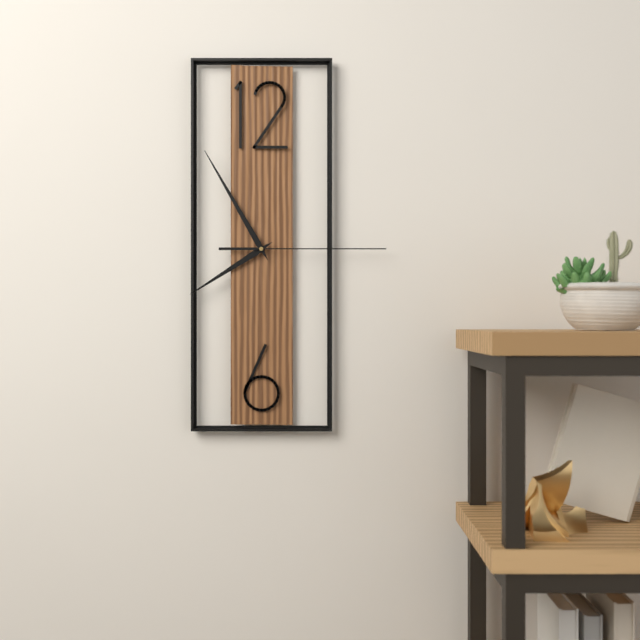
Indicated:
7,55,15
